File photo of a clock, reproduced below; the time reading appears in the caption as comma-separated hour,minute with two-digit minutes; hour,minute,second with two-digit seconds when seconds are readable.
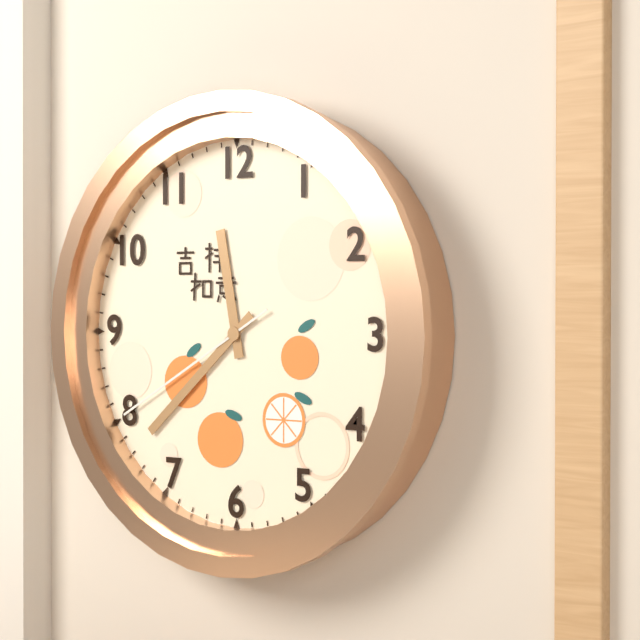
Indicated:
11,38,40
